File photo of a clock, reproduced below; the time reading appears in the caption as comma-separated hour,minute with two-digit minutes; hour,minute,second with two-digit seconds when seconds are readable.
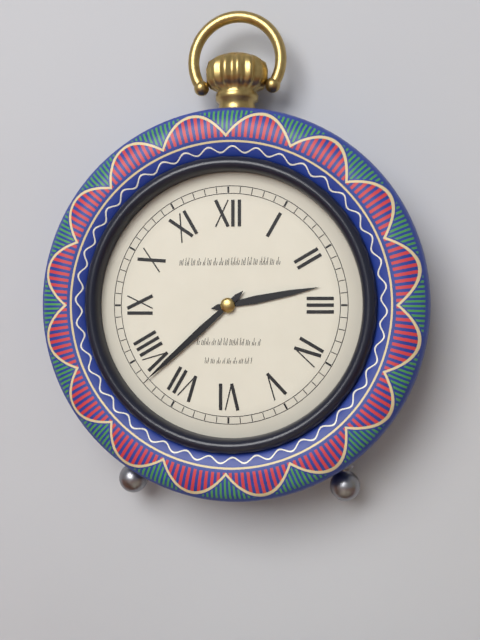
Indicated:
2,38
